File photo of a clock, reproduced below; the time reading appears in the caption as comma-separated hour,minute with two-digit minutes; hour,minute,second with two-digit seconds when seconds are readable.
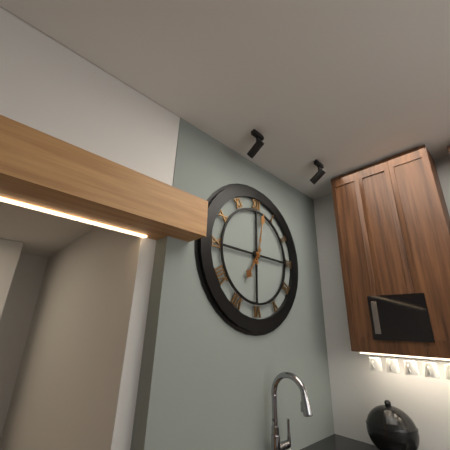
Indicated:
7,02
